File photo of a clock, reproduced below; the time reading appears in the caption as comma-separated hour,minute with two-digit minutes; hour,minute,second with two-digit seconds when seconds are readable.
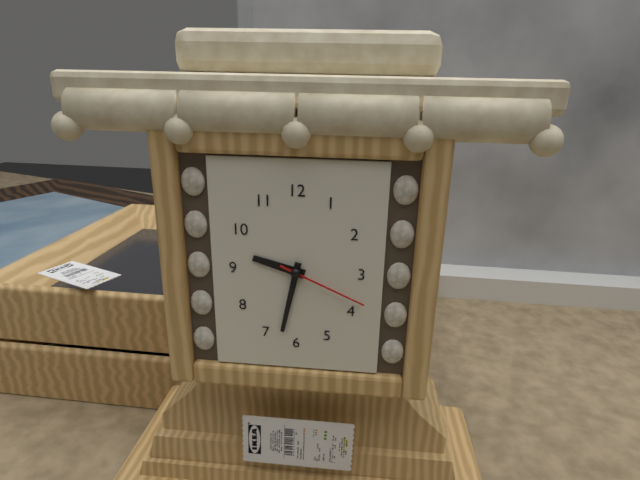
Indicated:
9,32,19
